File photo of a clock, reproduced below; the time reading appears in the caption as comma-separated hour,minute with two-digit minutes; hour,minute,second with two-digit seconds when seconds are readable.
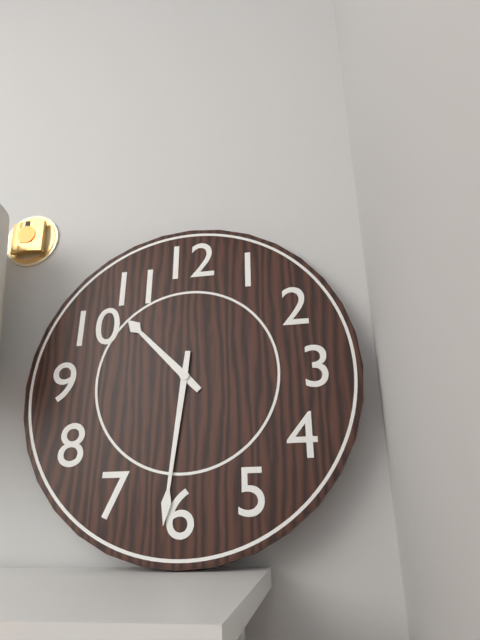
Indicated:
10,31
